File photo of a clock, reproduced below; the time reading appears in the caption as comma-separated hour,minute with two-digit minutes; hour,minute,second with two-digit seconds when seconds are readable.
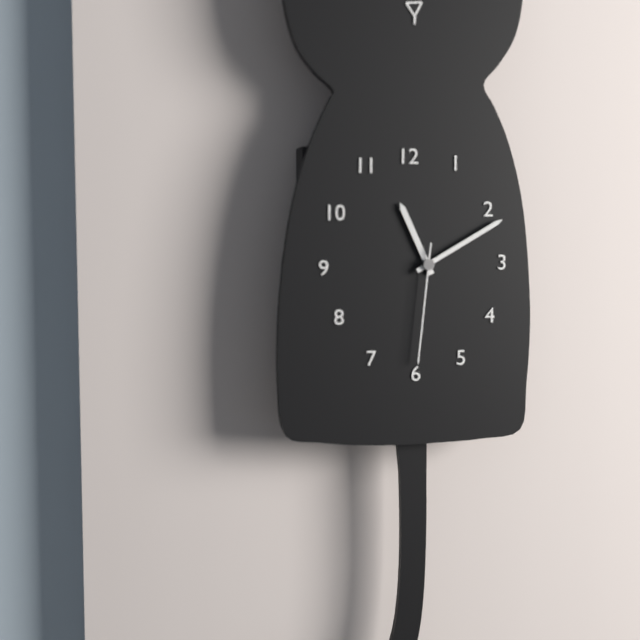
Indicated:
11,10,31
